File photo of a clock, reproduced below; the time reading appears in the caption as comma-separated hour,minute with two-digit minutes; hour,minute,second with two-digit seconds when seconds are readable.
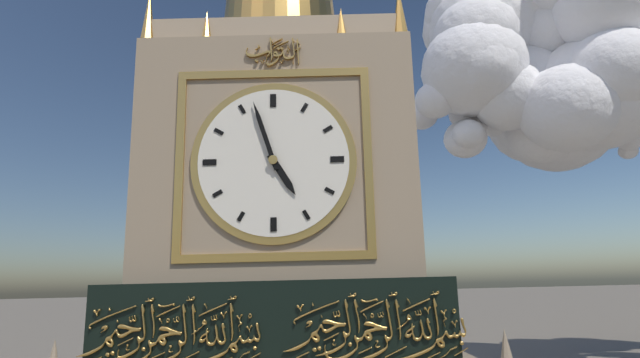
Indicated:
4,57
